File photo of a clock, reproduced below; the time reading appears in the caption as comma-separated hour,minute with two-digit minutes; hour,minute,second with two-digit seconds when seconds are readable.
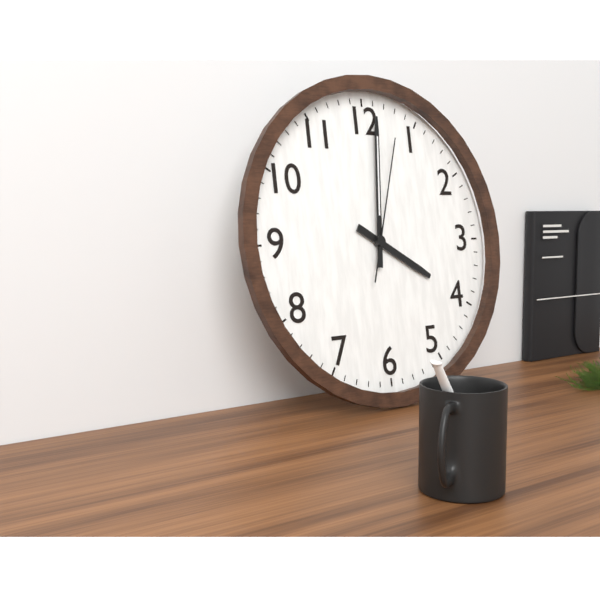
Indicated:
4,01,03
